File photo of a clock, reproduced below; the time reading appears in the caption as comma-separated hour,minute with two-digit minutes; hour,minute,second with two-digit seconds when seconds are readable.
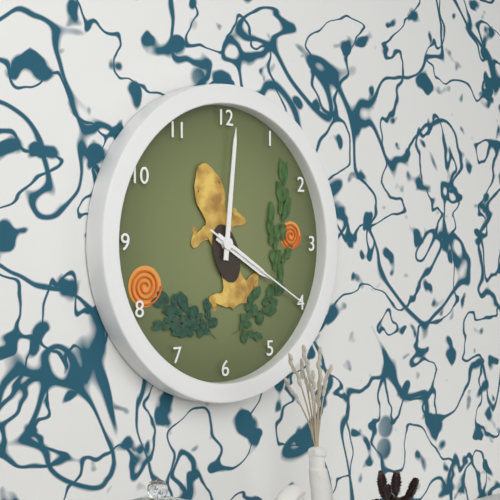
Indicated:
4,01,20
